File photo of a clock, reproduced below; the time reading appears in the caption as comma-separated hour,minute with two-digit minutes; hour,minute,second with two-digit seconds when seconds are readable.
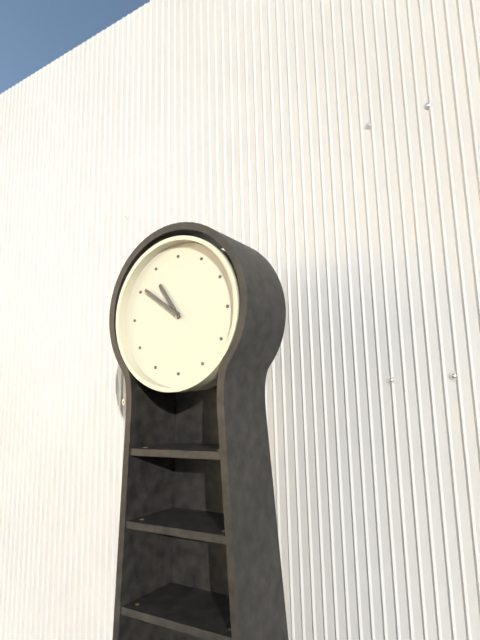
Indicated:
10,51
